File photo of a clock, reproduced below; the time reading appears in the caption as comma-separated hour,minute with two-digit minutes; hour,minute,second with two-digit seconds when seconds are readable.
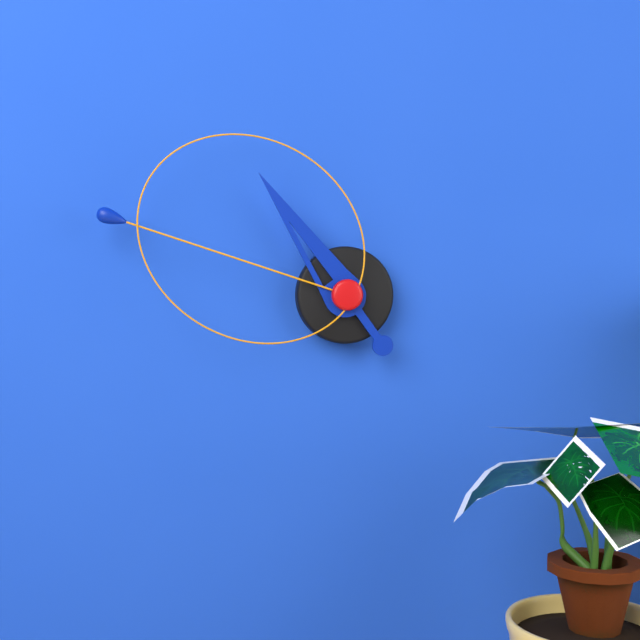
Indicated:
10,48,50
